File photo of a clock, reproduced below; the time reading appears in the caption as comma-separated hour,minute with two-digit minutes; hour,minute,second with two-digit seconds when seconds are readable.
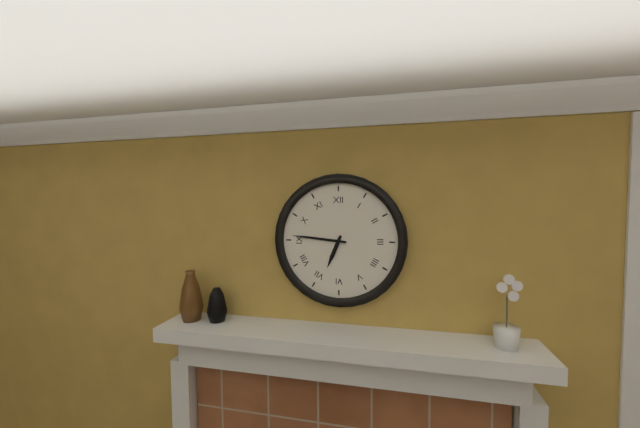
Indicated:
6,46
